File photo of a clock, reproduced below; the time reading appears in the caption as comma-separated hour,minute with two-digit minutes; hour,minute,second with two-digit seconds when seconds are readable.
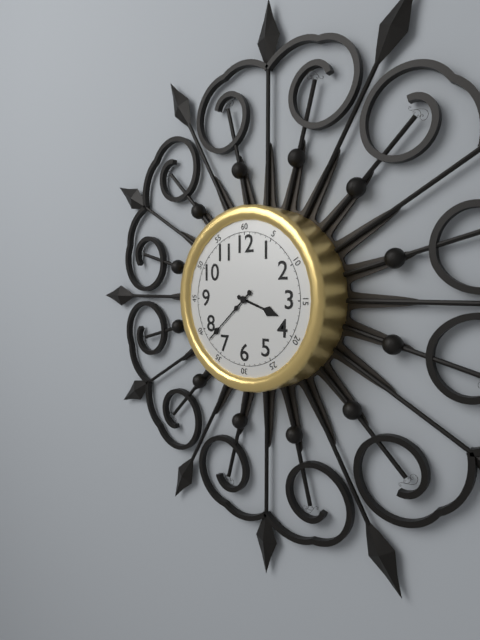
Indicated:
3,38
